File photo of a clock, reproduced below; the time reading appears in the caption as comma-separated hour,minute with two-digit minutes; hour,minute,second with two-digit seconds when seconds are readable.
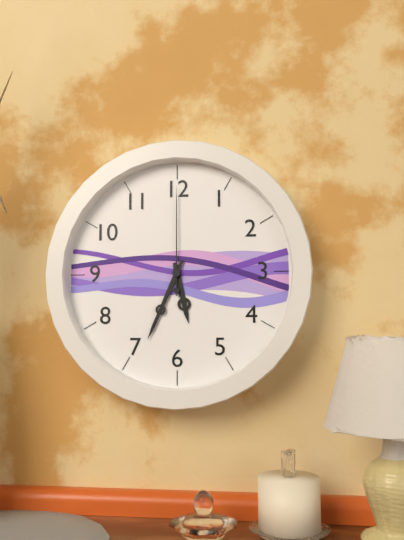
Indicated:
5,34,00
